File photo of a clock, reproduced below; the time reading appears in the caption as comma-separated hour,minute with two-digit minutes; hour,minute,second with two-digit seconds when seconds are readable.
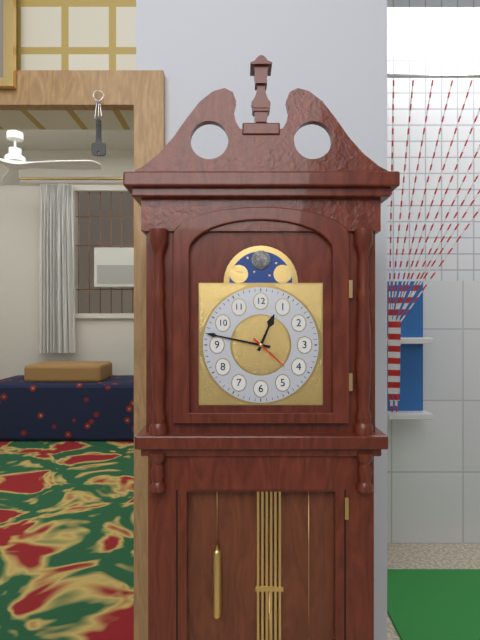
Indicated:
12,47
